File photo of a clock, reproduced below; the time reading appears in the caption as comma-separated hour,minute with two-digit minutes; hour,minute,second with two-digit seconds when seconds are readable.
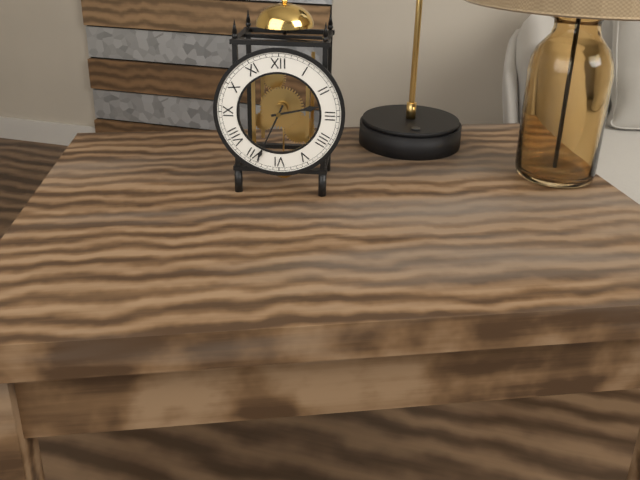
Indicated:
2,34
